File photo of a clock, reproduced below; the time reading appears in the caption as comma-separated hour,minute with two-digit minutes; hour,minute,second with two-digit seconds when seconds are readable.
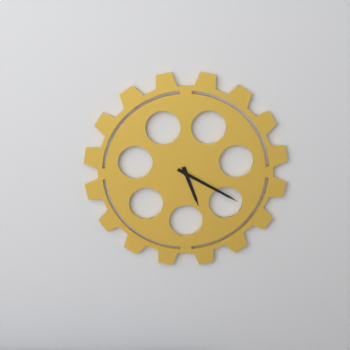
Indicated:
5,20
